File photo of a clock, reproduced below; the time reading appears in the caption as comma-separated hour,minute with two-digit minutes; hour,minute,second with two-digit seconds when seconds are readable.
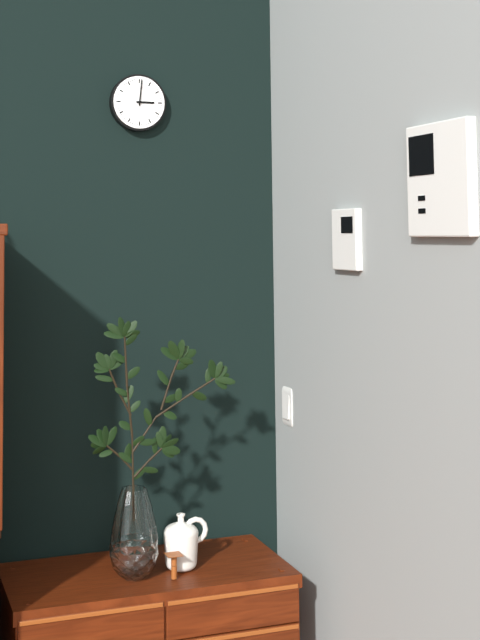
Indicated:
3,01
